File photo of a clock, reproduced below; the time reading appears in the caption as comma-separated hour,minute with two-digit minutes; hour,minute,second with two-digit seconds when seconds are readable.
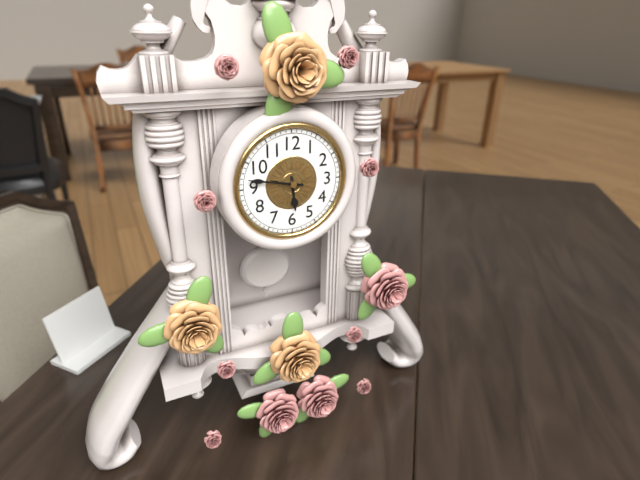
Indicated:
5,47
